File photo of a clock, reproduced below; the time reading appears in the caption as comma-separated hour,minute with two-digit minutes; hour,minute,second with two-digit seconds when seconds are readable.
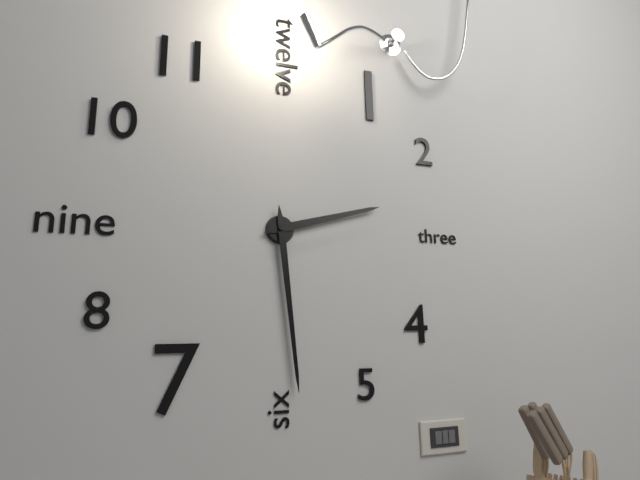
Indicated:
2,29
